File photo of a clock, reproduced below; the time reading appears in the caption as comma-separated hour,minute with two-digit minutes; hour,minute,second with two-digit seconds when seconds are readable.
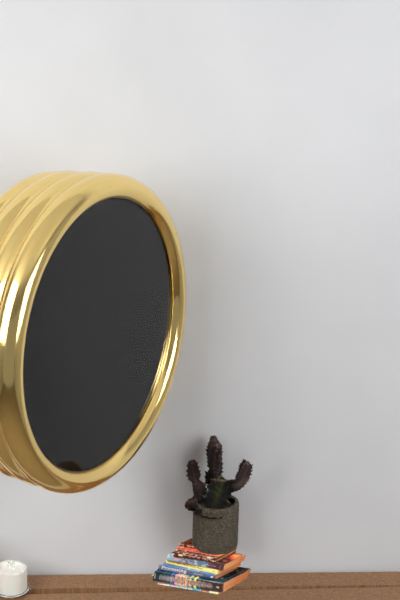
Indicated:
11,56,34
